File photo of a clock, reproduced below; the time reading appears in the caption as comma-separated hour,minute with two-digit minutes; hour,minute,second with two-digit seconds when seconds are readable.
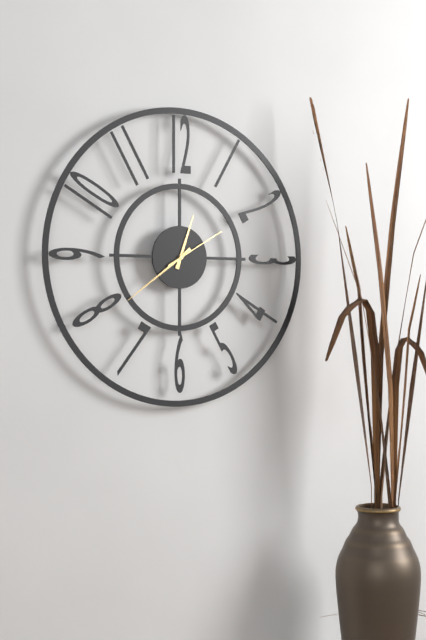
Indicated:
12,39,10
